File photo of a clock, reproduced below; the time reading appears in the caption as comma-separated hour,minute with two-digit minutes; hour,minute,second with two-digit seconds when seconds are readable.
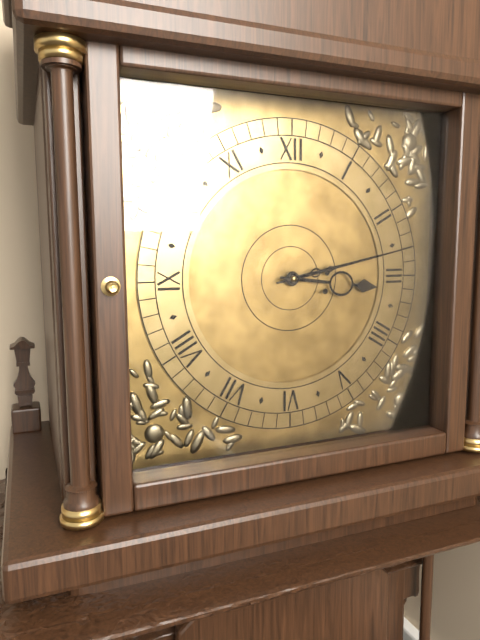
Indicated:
3,13
